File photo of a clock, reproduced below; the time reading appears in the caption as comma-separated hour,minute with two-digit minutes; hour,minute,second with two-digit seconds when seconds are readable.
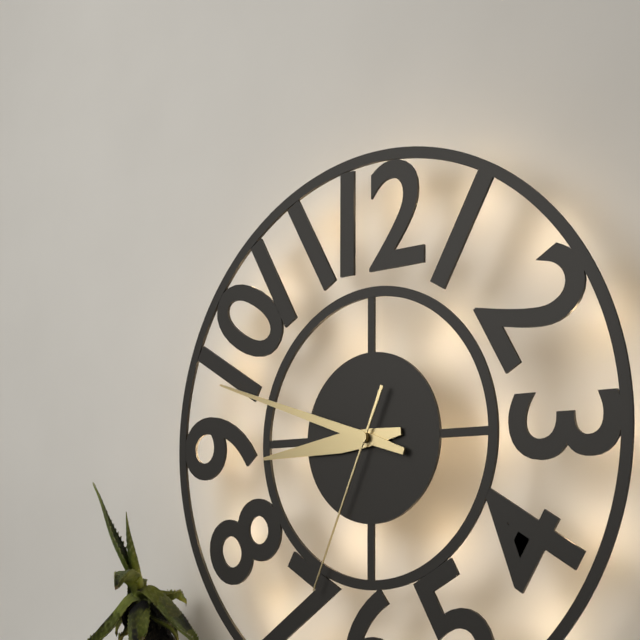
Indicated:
8,48,34
